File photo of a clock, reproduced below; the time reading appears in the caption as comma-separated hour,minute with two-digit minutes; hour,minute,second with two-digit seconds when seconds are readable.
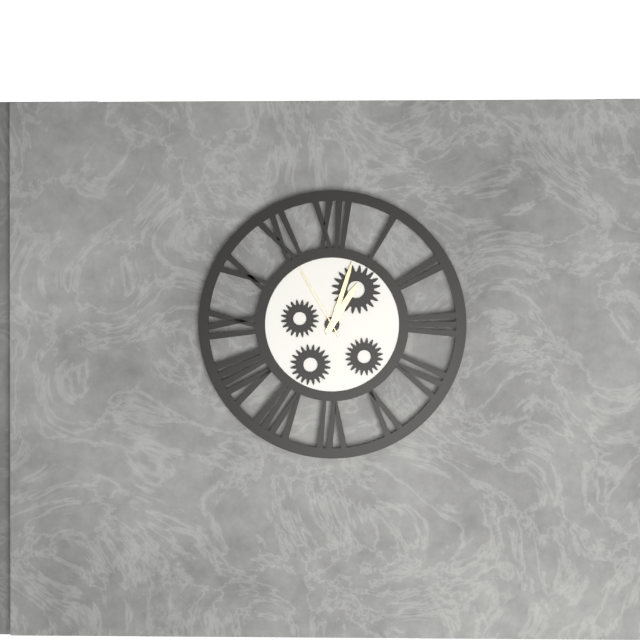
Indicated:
1,03,55
